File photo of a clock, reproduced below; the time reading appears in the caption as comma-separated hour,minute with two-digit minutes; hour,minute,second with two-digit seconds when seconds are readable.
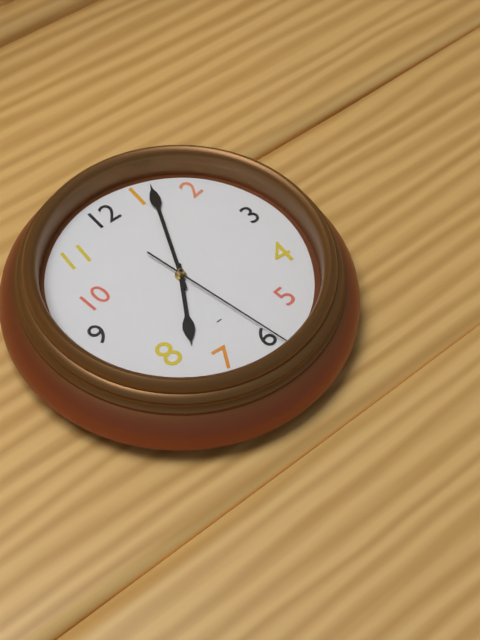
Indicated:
7,04,28
